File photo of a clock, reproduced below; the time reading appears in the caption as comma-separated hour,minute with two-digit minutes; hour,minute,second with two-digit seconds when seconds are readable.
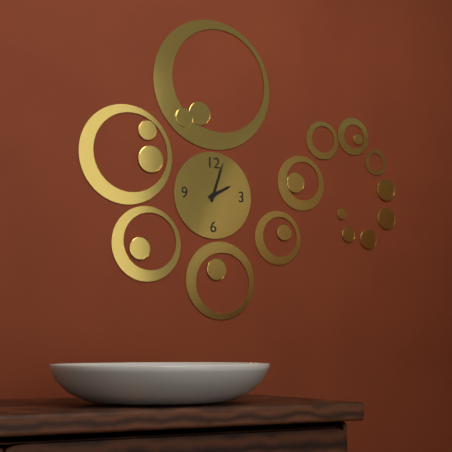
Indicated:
2,03
